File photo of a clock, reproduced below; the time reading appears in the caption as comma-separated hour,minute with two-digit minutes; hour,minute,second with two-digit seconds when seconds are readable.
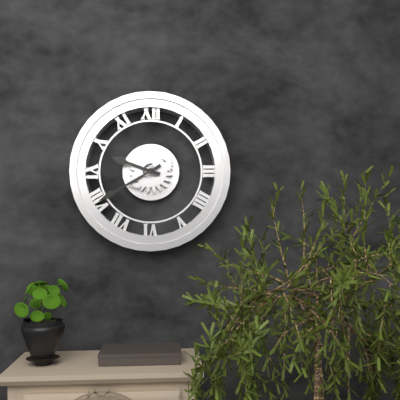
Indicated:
9,40
